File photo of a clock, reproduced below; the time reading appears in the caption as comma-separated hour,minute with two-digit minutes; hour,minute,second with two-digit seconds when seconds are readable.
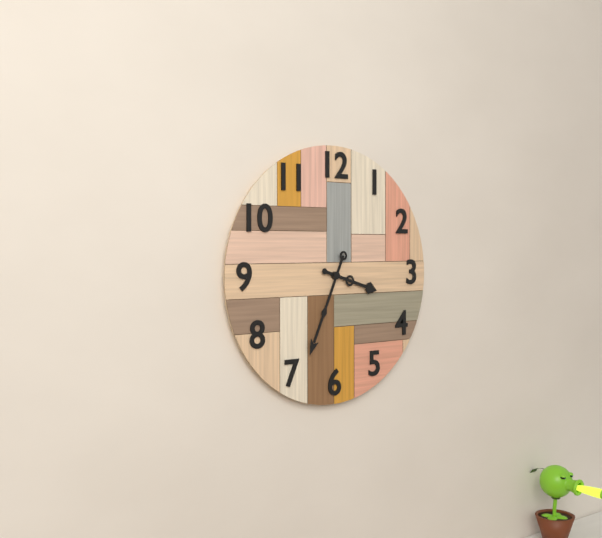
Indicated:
3,34
